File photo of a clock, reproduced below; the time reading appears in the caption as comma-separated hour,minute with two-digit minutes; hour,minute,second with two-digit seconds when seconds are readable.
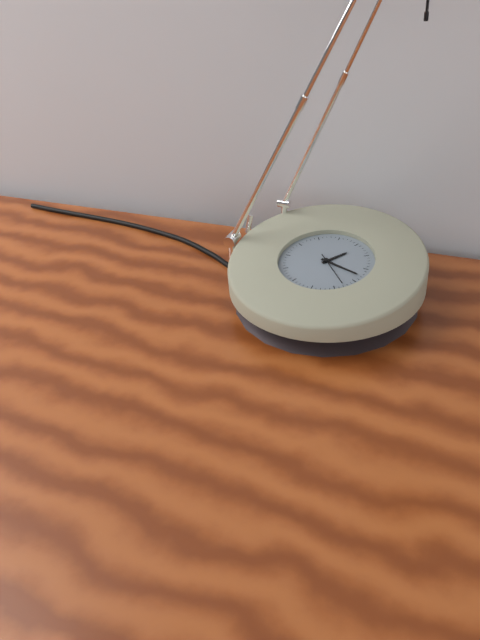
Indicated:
1,18
